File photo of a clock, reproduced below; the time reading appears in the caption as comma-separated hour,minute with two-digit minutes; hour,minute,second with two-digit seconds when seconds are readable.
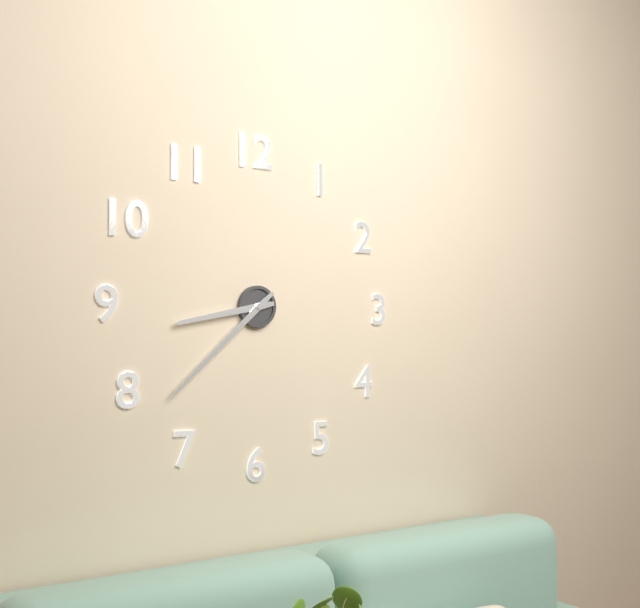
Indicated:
8,38
